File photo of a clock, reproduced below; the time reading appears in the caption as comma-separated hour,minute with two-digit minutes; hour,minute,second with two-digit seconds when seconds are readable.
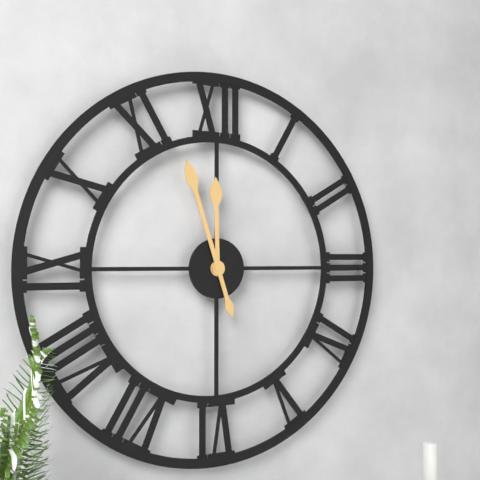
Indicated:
11,57
